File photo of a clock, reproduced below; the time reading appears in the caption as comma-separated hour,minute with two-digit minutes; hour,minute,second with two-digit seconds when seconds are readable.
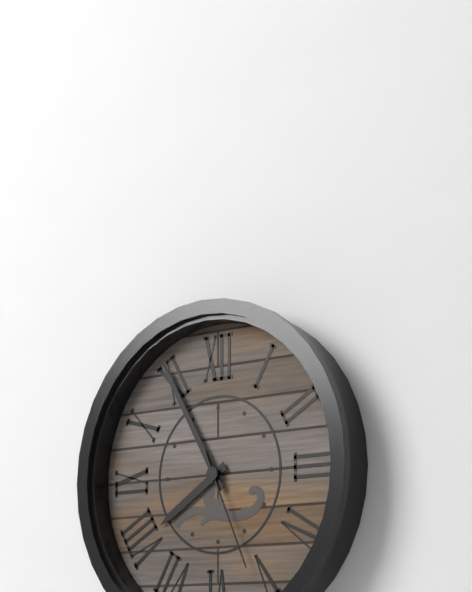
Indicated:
7,55,26
